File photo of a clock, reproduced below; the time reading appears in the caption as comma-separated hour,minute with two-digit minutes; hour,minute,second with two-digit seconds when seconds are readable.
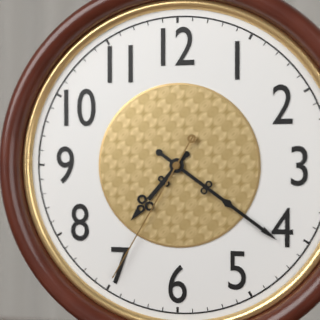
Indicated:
7,21,35
